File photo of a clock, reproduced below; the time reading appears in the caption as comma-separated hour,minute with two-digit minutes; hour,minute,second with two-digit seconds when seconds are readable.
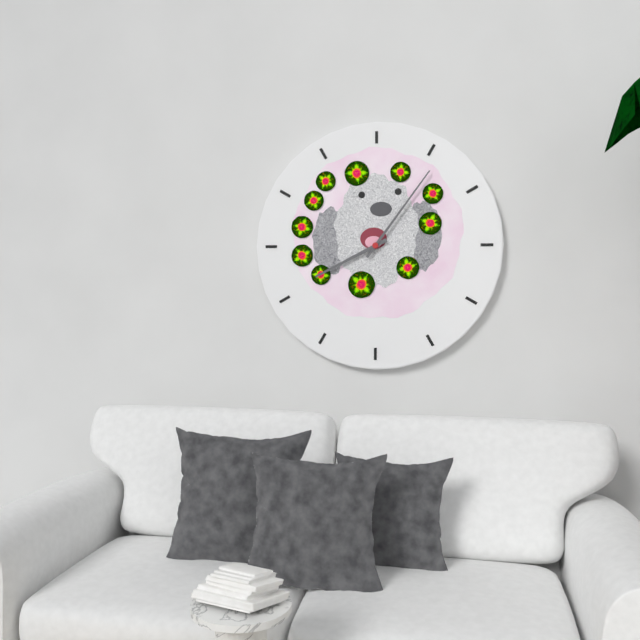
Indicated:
8,06
